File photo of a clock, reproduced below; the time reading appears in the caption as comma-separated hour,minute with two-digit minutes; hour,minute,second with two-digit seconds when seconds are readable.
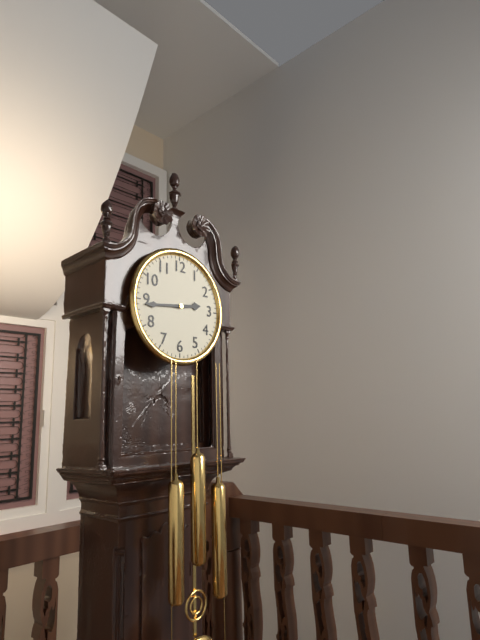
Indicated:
2,44
